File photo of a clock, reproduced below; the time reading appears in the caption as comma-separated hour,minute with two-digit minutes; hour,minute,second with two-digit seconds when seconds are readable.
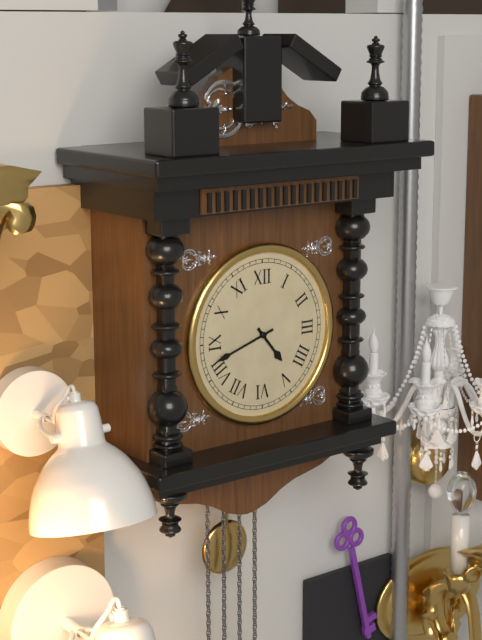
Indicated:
4,42
